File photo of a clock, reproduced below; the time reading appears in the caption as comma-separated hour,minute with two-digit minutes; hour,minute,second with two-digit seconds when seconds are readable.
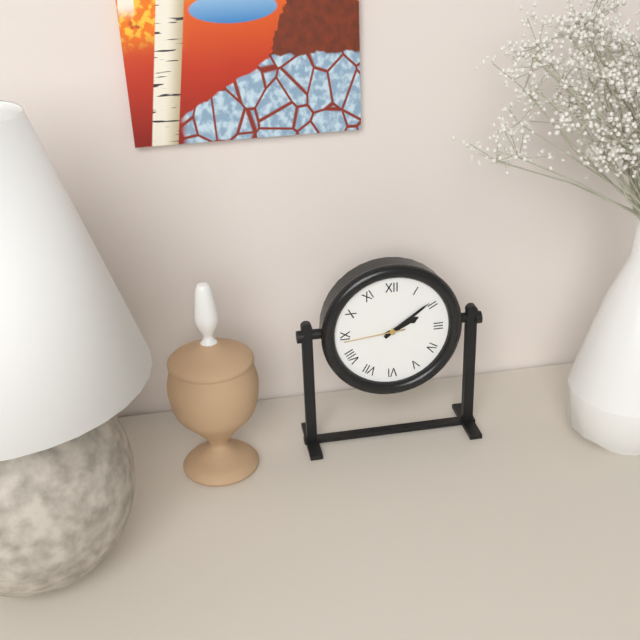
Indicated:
2,09,44
